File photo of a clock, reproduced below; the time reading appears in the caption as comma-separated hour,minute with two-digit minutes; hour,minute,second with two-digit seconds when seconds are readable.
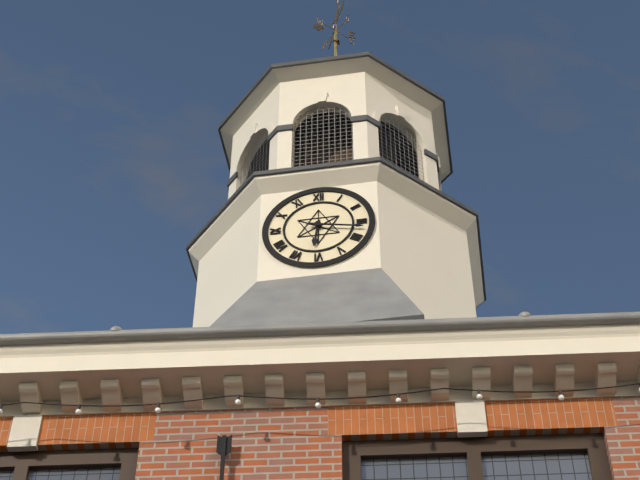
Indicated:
6,17
